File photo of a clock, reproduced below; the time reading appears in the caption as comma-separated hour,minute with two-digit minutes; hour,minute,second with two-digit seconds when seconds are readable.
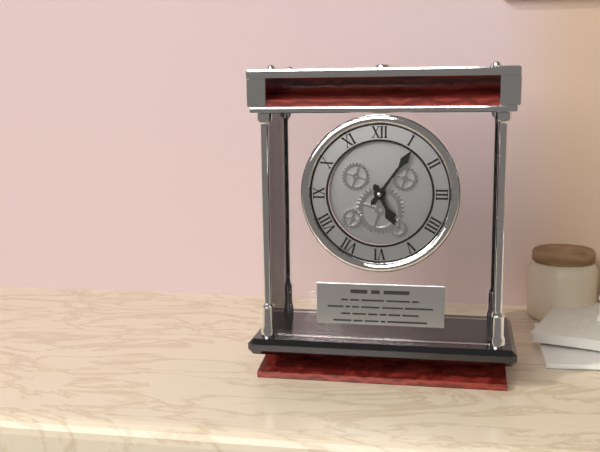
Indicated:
5,06
